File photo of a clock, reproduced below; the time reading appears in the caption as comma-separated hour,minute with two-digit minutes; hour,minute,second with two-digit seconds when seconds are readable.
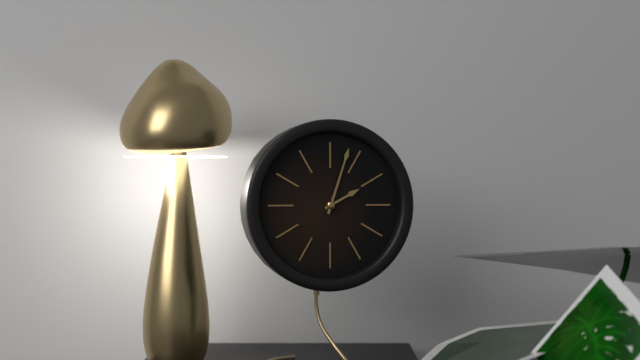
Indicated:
2,03
